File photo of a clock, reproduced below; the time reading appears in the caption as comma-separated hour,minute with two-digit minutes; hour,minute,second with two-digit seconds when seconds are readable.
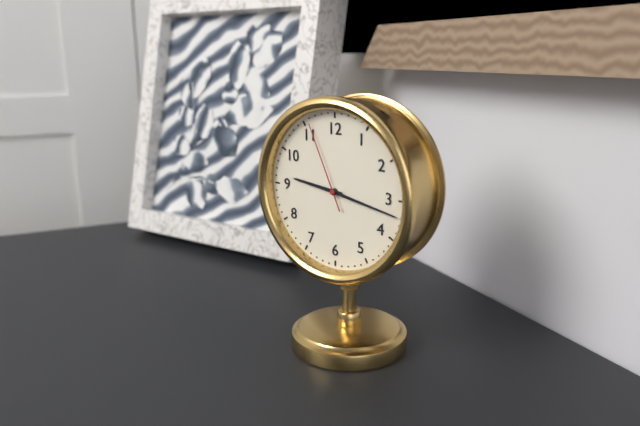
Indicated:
9,17,56
